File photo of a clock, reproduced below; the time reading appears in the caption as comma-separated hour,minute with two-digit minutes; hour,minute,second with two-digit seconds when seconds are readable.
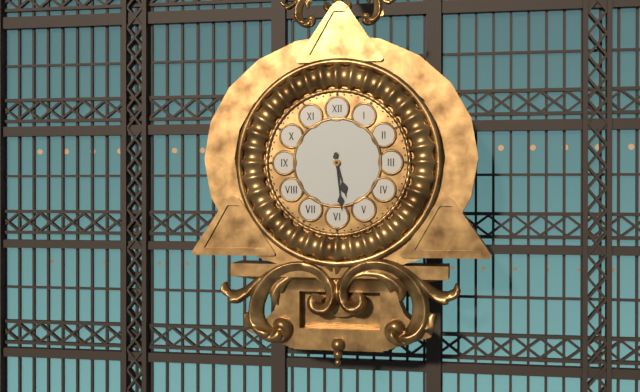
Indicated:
5,29
